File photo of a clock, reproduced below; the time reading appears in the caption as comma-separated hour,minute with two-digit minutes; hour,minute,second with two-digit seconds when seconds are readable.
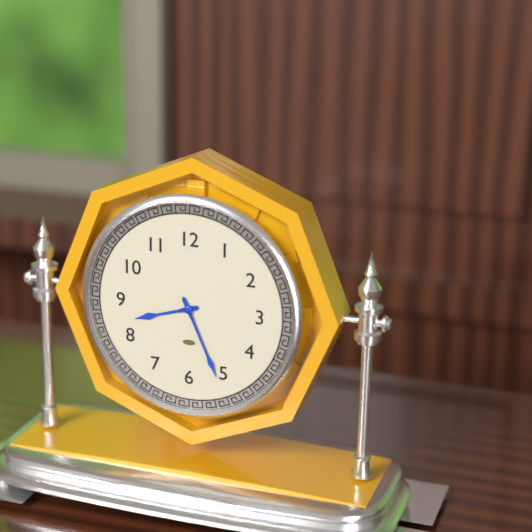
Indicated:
8,26
